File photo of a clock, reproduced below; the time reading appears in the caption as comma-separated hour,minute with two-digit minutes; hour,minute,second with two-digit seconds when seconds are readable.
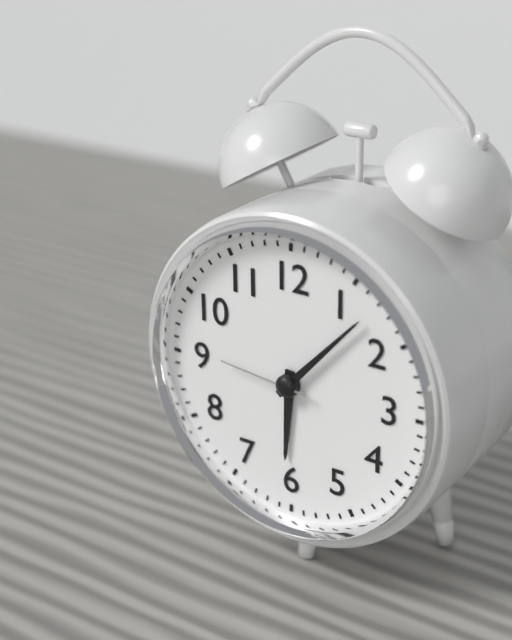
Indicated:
6,07,46
